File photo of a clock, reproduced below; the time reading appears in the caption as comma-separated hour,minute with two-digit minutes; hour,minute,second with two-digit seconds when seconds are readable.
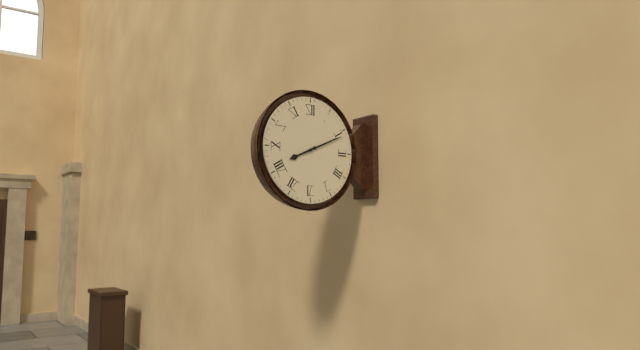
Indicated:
8,11
